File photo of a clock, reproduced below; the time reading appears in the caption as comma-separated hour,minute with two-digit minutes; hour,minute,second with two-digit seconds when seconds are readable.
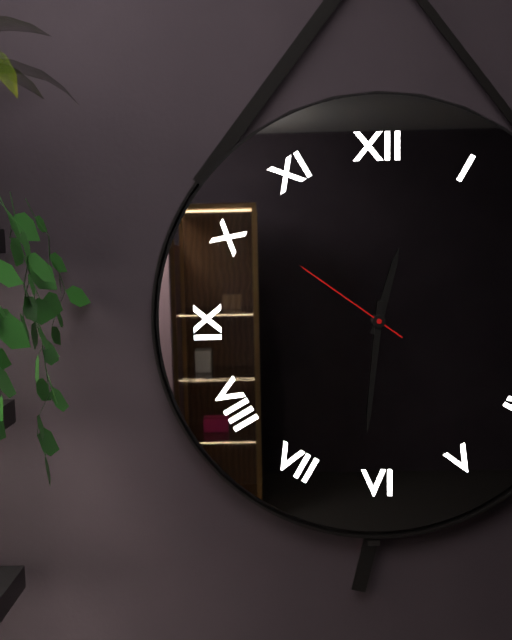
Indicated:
12,31,51
